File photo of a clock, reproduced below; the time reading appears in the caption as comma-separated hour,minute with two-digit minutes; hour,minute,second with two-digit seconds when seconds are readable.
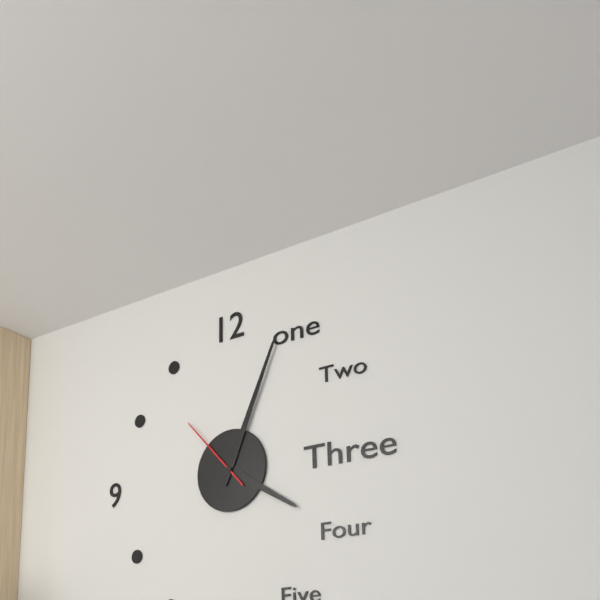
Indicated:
4,04,53
